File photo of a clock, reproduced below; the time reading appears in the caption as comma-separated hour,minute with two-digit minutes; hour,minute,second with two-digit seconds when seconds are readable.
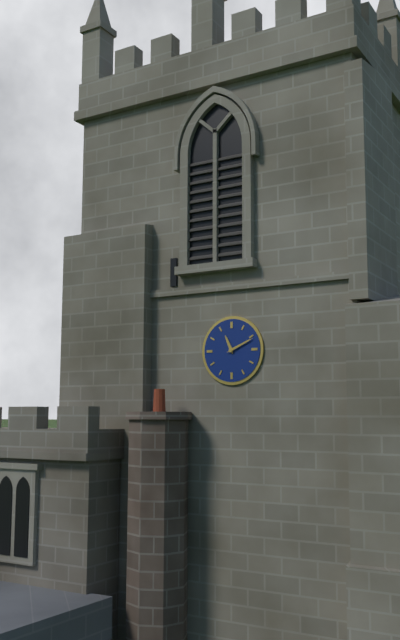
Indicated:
11,11
